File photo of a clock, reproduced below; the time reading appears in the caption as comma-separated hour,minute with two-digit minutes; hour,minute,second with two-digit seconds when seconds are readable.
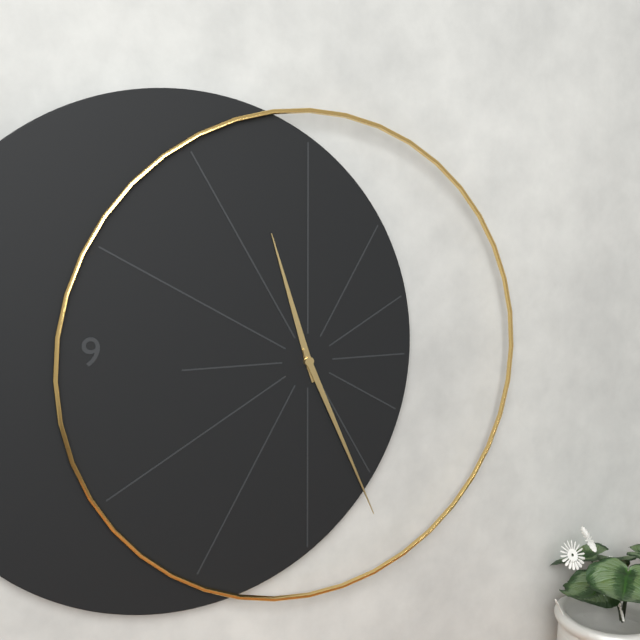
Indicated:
11,26
